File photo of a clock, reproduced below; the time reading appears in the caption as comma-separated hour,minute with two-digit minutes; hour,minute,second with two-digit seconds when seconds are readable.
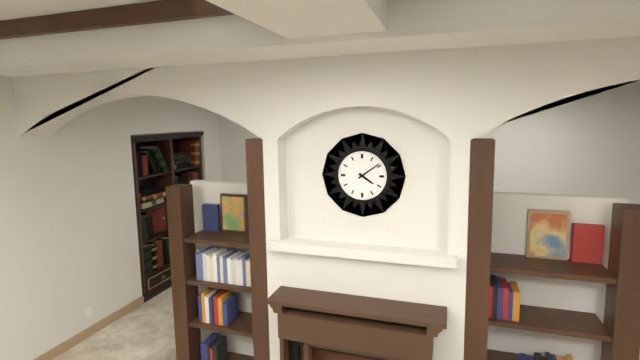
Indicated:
4,09
